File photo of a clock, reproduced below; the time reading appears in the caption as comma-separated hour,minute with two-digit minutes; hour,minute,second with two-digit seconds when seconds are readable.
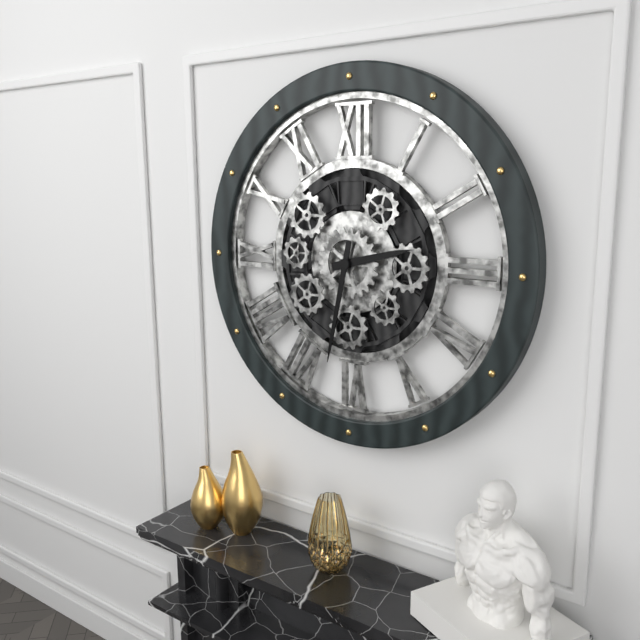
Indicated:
2,32
